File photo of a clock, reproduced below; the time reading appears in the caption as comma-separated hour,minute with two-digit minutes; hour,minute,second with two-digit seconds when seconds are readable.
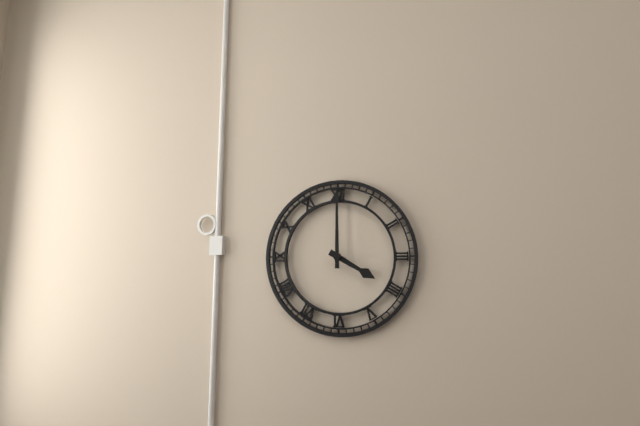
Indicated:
4,00
